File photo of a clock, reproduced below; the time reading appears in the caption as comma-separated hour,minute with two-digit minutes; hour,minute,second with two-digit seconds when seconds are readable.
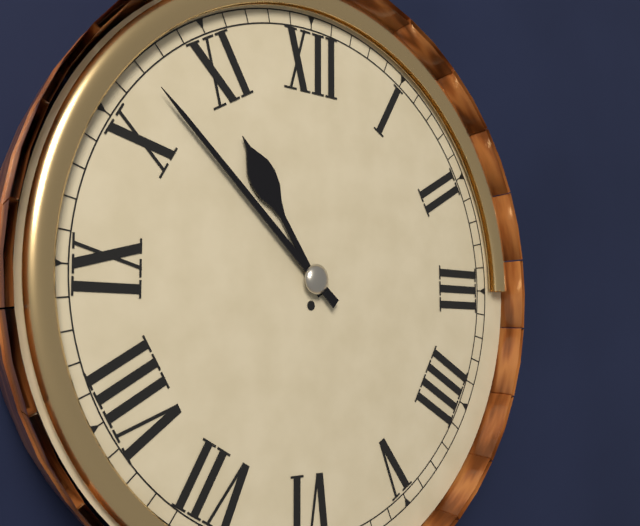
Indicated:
10,52
